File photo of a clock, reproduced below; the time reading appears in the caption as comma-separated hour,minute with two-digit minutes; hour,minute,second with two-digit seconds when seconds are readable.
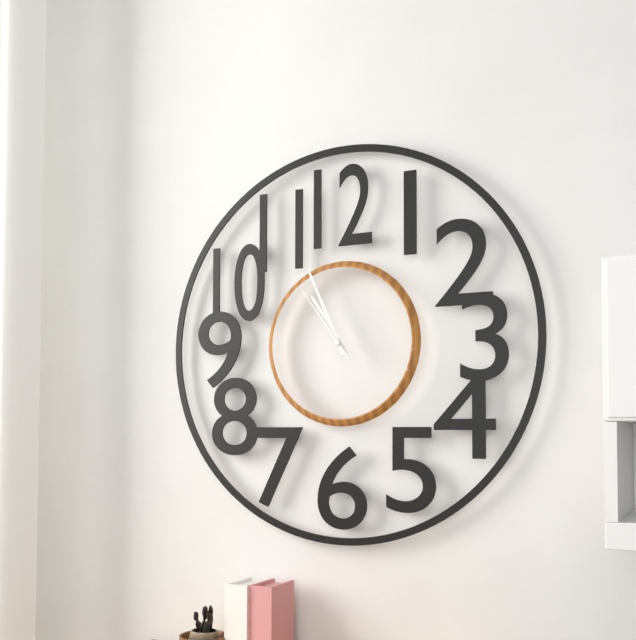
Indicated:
10,56,54
